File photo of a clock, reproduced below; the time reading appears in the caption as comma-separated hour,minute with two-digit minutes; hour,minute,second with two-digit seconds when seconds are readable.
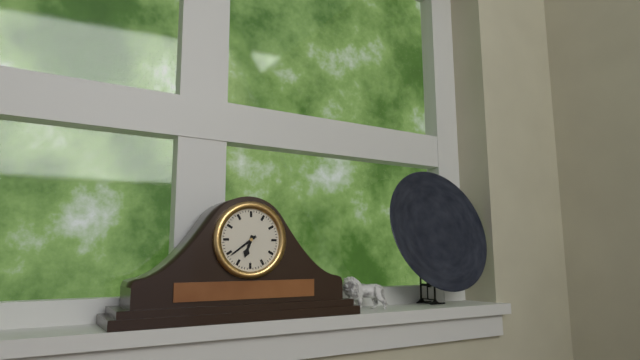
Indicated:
6,39
